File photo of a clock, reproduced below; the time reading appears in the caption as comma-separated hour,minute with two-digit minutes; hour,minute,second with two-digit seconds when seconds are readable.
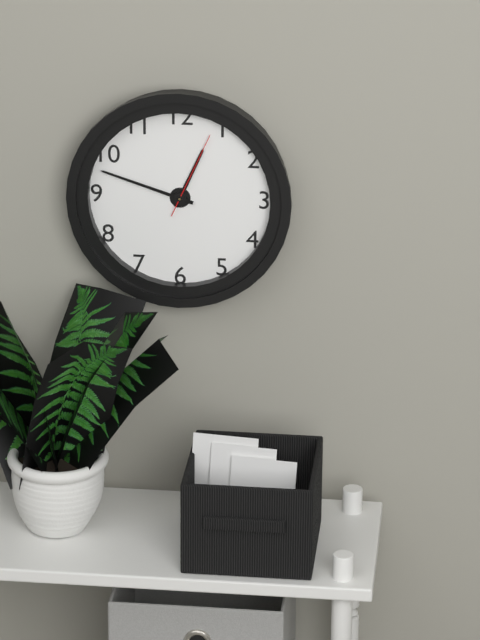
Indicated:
12,48,04
